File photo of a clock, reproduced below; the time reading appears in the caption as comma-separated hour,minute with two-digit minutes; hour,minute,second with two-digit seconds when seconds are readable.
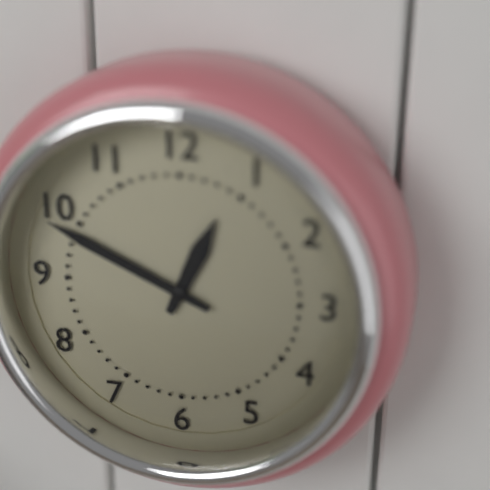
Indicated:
12,49
